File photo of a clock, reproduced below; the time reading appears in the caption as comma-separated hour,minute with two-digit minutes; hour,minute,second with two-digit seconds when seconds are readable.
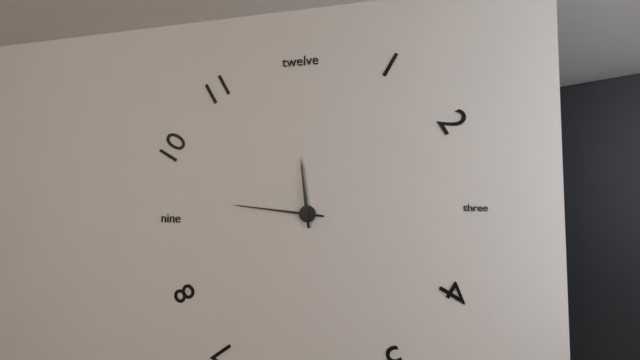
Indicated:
11,46
